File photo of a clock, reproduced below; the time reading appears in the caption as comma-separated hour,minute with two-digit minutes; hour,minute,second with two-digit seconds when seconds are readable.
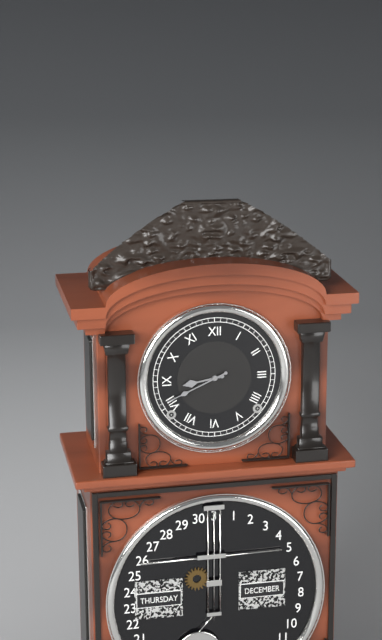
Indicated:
8,41
